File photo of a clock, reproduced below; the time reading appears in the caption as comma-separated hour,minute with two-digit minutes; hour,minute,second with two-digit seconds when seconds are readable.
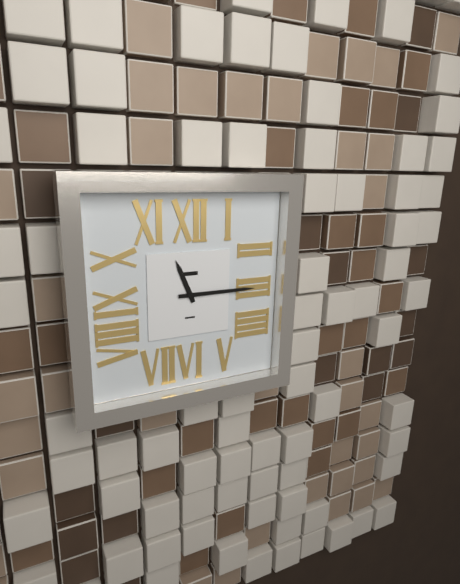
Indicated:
11,15
